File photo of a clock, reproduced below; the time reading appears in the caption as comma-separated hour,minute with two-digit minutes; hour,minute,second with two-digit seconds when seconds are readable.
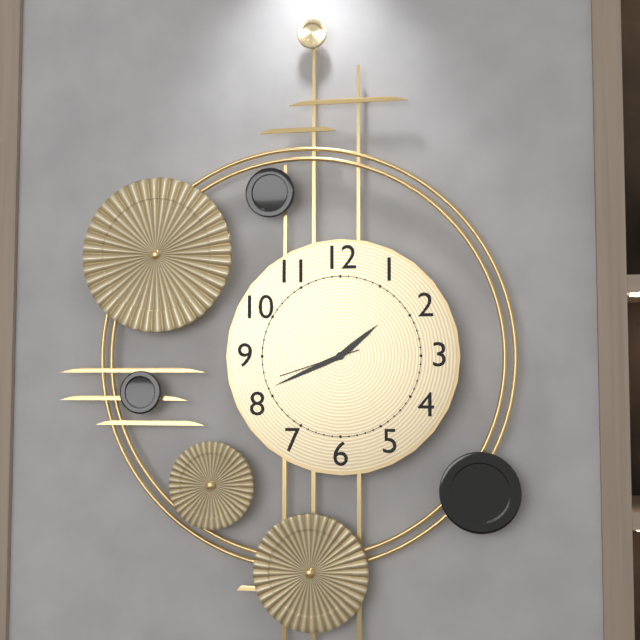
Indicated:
1,41,42
